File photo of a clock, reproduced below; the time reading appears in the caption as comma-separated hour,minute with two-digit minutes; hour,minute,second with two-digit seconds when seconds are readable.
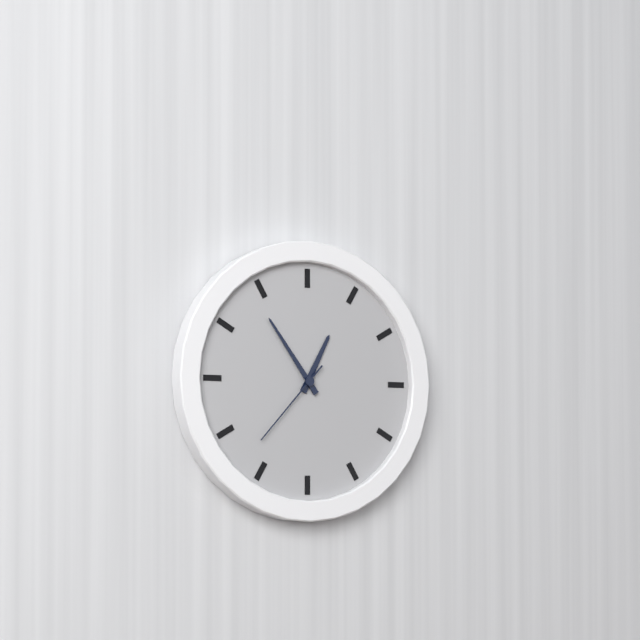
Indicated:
12,54,37
